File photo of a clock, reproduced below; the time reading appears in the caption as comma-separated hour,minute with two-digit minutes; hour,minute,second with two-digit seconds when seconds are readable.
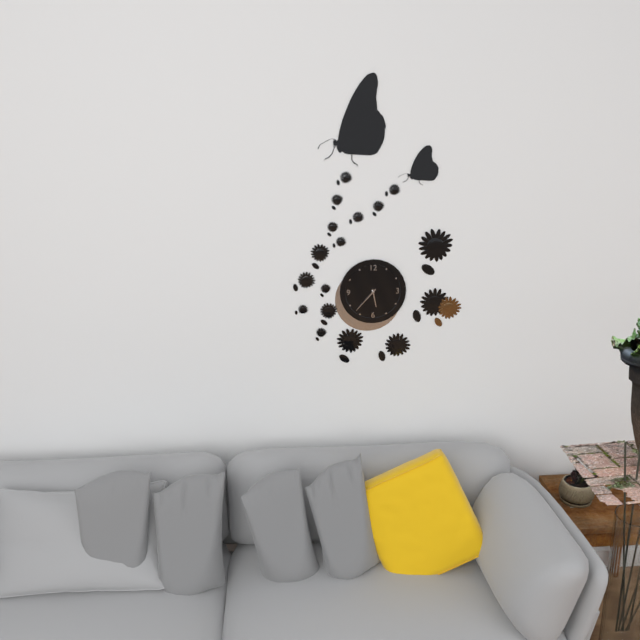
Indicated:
5,37
